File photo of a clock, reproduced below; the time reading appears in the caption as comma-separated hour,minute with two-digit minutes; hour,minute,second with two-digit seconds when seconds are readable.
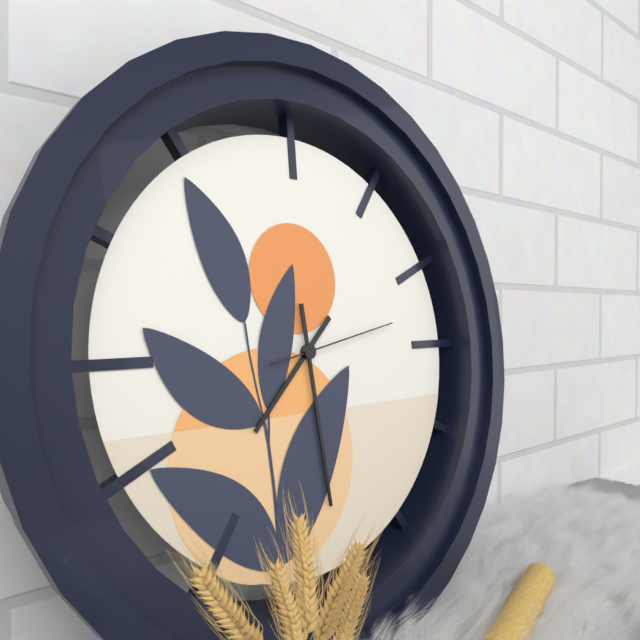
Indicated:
7,29,13
